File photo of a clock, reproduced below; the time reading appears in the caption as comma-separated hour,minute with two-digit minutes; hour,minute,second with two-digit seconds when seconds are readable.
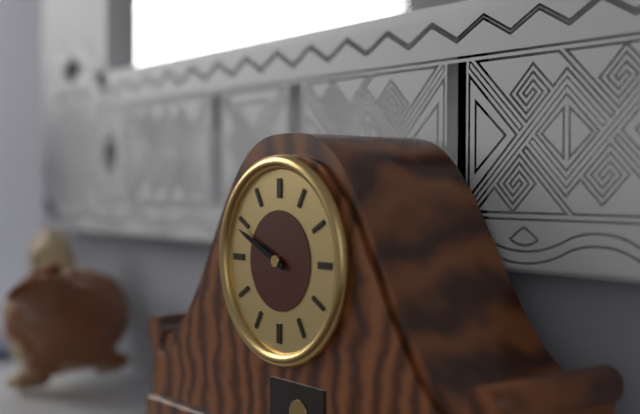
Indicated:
9,49
